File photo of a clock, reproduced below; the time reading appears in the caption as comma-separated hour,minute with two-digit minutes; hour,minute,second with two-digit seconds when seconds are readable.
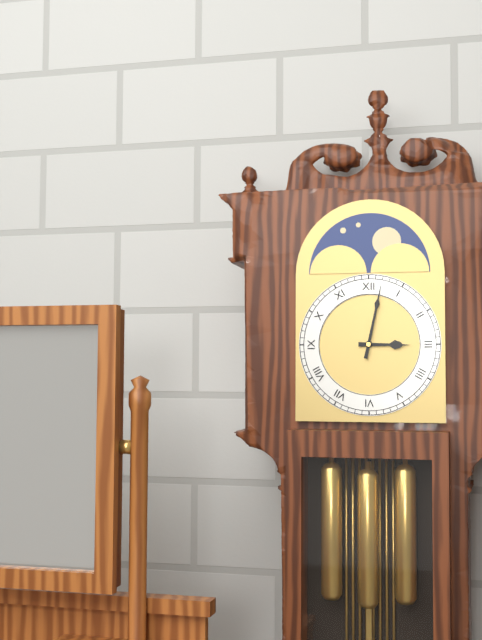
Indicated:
3,02
